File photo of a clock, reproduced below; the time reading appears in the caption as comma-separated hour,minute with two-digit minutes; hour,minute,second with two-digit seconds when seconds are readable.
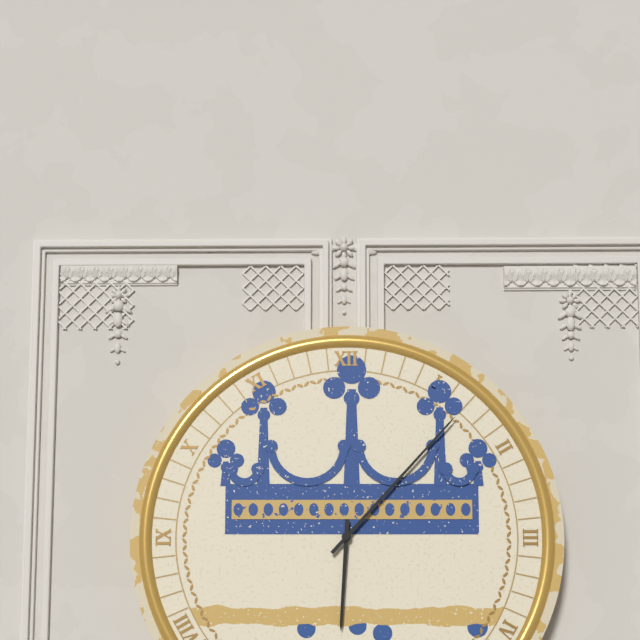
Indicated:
6,07
